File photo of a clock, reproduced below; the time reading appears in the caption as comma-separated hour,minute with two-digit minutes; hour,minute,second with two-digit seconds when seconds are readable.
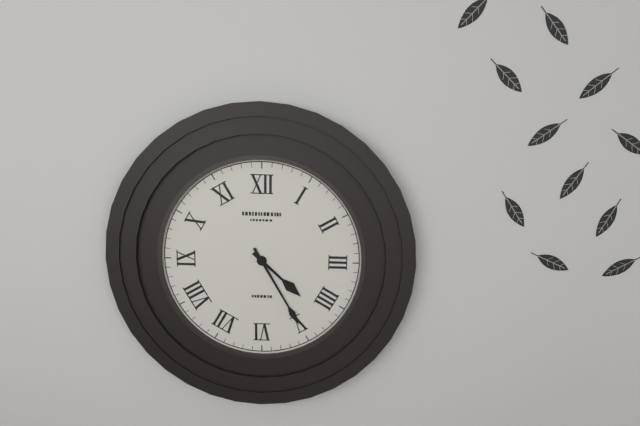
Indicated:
4,25
